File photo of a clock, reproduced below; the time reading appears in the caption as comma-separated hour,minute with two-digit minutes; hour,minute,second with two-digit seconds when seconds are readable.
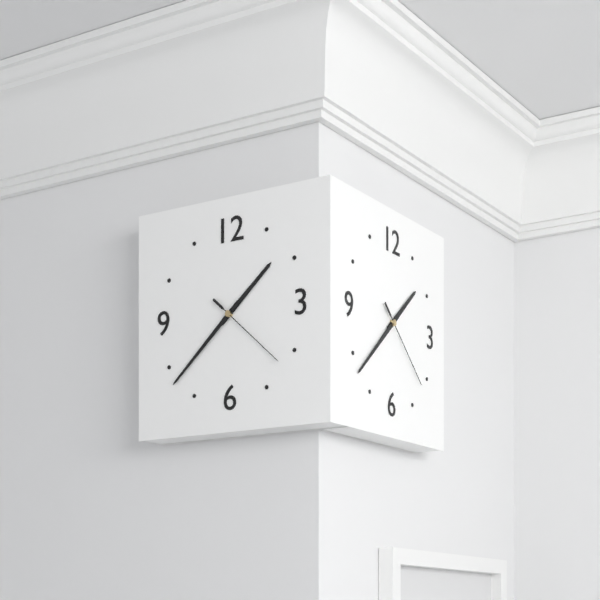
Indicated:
1,38,22
